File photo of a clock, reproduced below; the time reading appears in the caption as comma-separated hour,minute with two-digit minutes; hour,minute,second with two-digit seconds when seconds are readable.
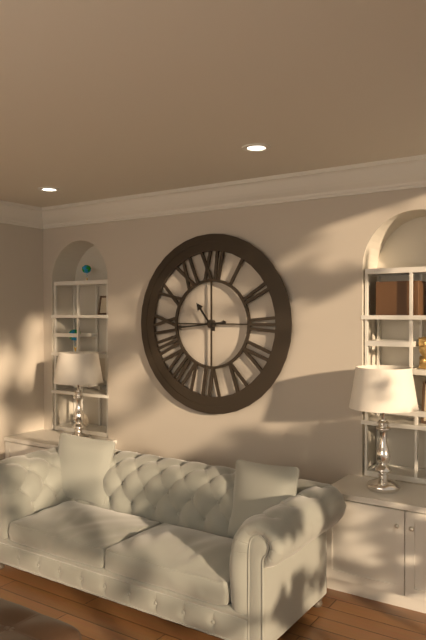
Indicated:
10,44
